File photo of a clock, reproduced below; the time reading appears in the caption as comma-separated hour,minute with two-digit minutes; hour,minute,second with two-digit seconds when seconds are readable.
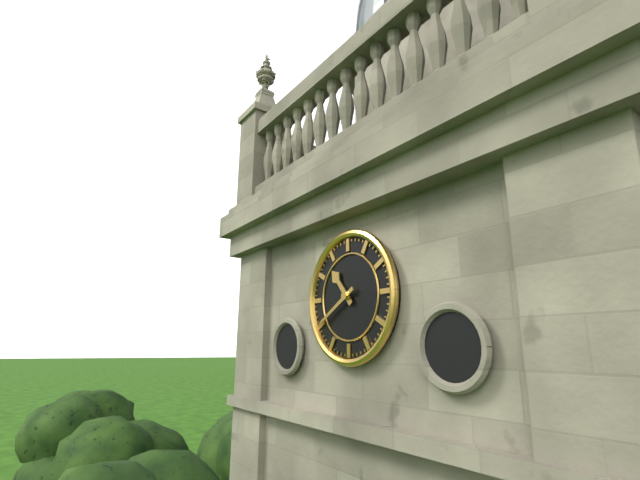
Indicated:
10,40
